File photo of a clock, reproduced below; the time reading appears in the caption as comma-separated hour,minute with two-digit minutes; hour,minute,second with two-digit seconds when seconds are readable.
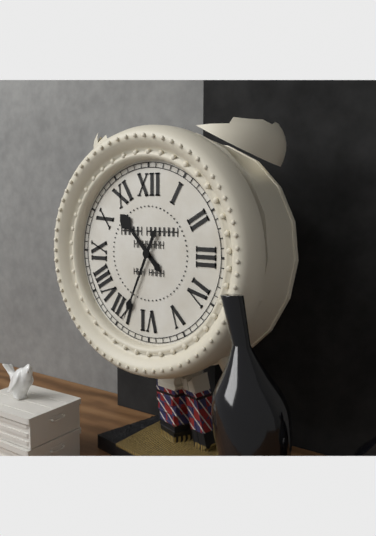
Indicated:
10,34
